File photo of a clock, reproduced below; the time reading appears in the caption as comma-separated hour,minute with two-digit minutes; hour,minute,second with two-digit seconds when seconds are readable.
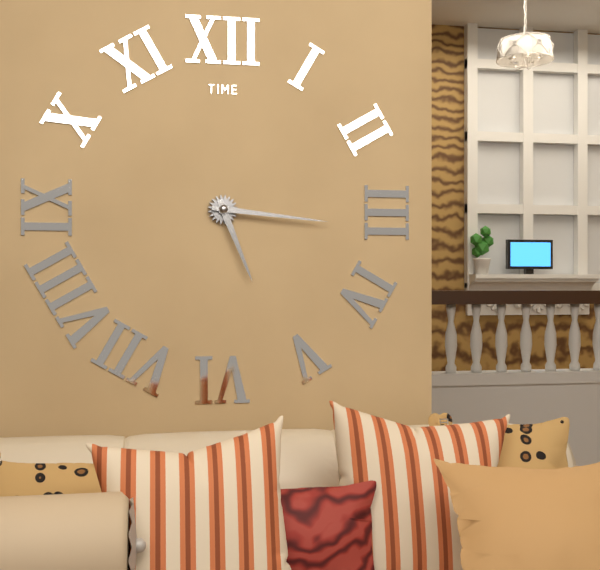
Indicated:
5,16
